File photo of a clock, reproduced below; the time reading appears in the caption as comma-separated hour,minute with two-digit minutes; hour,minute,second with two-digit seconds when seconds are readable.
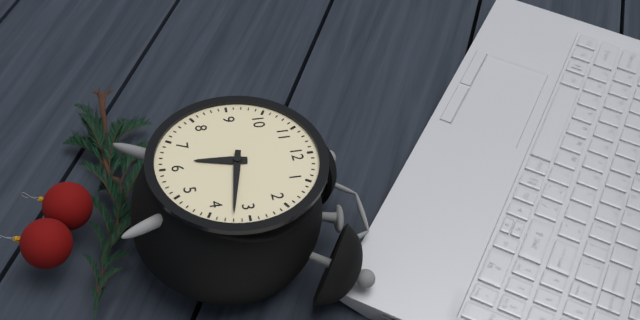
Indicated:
6,17
